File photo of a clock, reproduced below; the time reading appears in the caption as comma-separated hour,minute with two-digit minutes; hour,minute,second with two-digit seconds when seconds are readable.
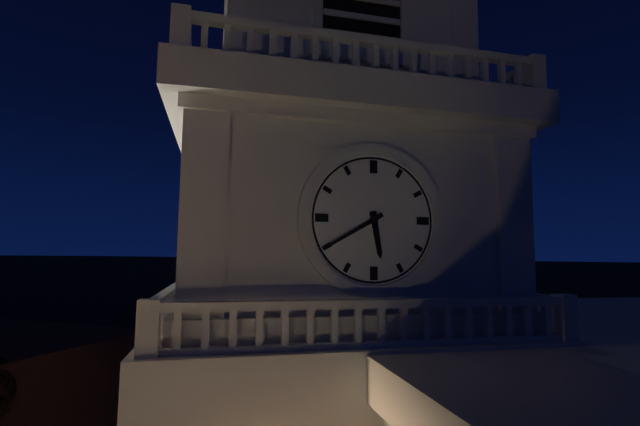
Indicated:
5,40
